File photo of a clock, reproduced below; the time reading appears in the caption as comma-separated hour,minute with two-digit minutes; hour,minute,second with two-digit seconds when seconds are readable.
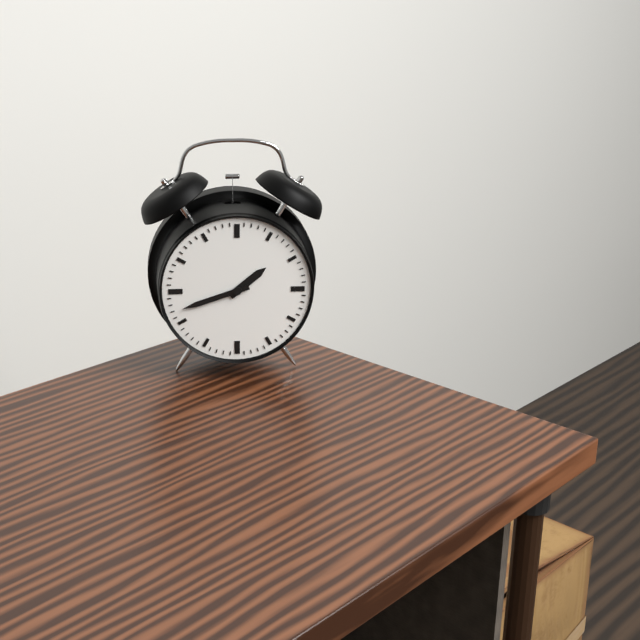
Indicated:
1,42
